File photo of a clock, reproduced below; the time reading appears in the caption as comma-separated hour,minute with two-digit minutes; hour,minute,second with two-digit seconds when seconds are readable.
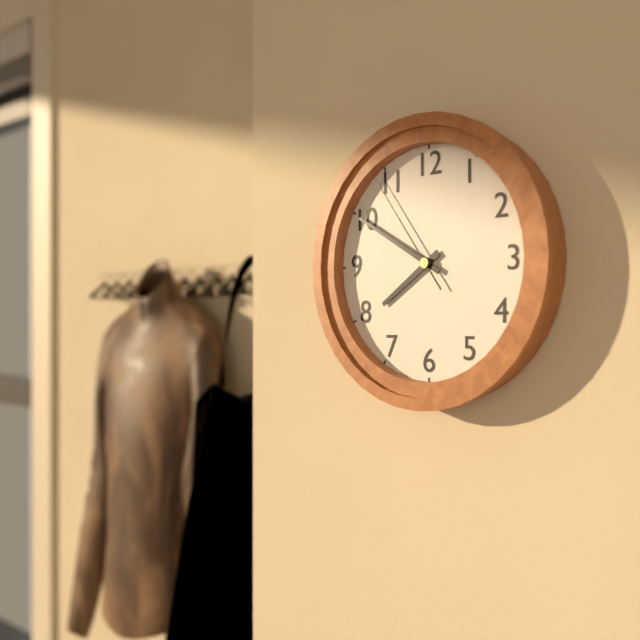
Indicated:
7,50,54
